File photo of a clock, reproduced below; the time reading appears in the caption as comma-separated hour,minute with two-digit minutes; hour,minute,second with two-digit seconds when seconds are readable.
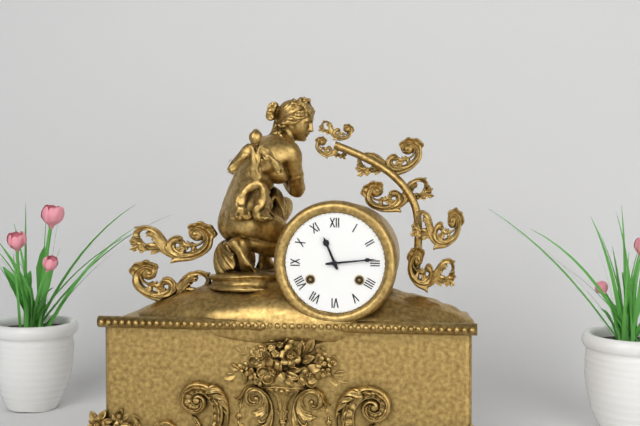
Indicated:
11,14
